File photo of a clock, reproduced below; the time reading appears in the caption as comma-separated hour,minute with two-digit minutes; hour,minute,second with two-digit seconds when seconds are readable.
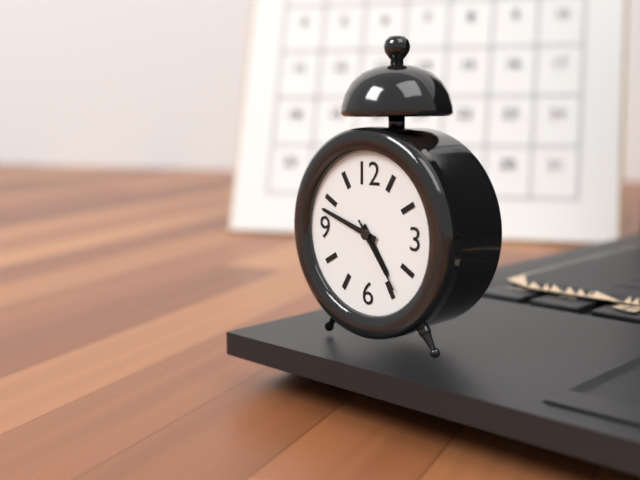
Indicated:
4,48,24
